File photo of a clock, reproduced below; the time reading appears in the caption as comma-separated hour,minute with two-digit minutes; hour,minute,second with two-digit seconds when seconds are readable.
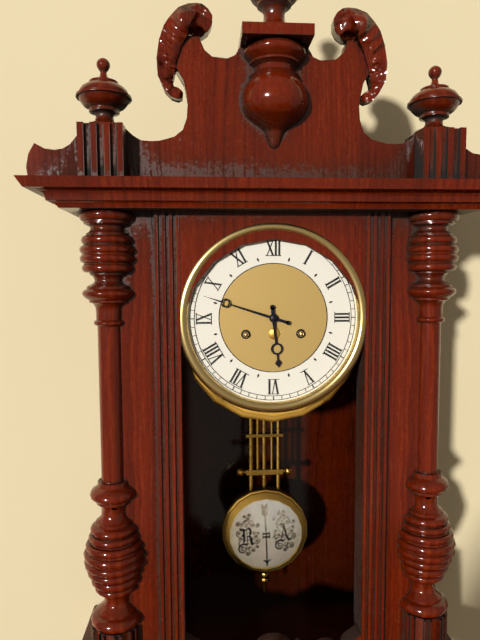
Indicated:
5,48
